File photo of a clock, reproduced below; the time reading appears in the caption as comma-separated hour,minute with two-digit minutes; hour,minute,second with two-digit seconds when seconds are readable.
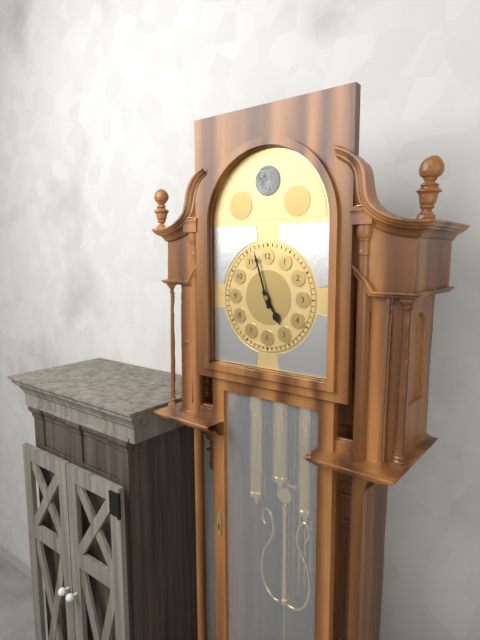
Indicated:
4,57
